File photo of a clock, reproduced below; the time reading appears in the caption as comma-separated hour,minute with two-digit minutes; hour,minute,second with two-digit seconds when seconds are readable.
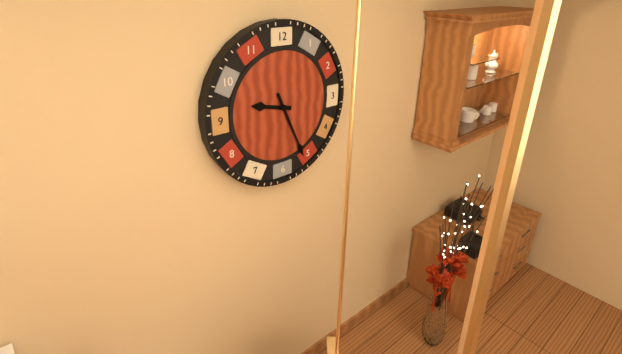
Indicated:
9,26
